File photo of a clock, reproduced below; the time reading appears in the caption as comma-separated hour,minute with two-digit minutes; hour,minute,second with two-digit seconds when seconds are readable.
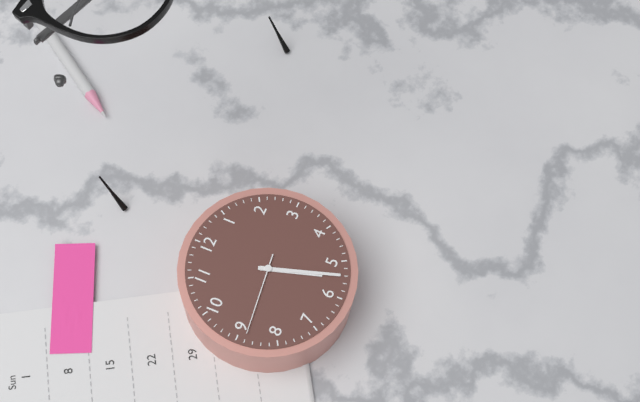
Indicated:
5,27,44
